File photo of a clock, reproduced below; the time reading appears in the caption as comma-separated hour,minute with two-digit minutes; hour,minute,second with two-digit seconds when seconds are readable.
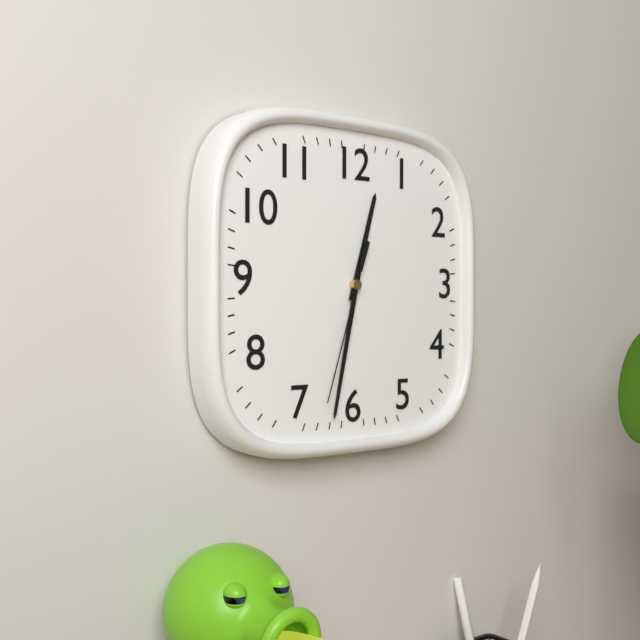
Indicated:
12,32,33
